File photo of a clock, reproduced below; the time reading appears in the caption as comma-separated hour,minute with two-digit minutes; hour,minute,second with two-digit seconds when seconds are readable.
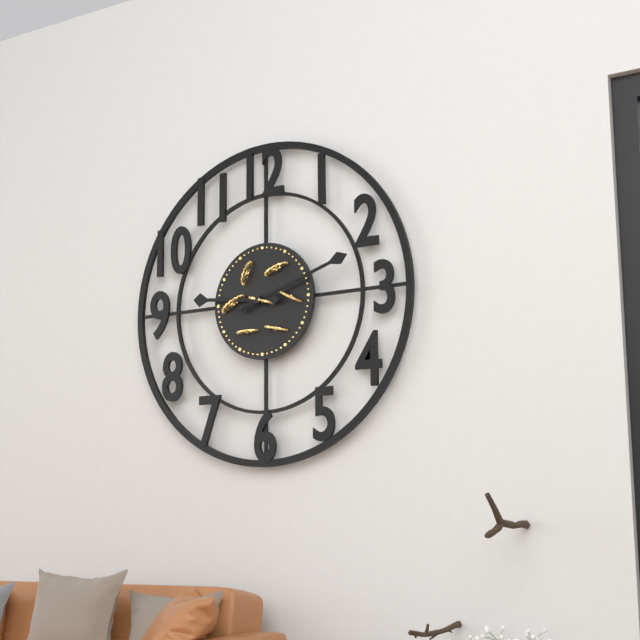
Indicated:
9,12
